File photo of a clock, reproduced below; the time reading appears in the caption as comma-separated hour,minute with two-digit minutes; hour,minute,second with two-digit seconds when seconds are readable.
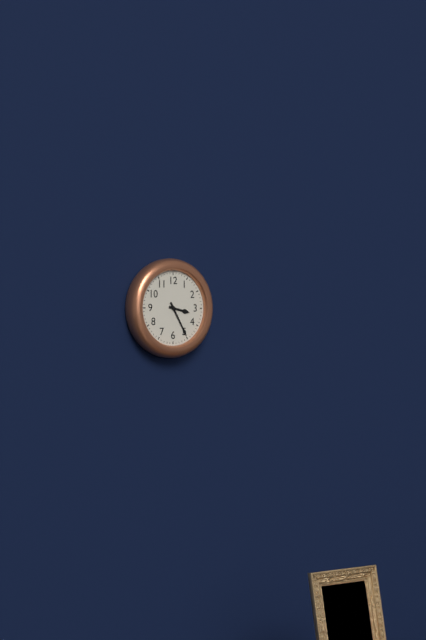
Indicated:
3,25
